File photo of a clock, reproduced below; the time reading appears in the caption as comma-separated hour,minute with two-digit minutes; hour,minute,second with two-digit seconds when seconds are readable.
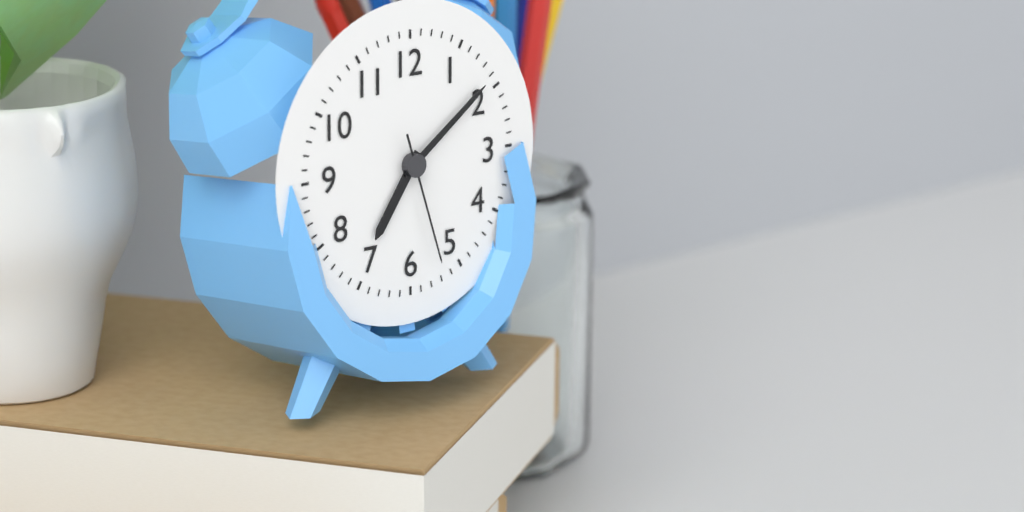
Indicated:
7,09,27
